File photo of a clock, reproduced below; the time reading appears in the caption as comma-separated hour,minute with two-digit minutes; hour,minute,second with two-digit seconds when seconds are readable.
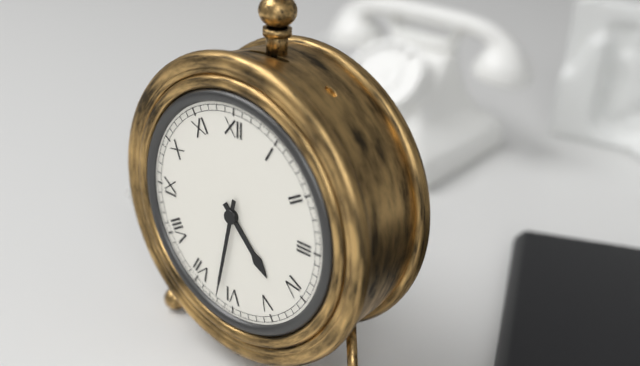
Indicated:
4,32
